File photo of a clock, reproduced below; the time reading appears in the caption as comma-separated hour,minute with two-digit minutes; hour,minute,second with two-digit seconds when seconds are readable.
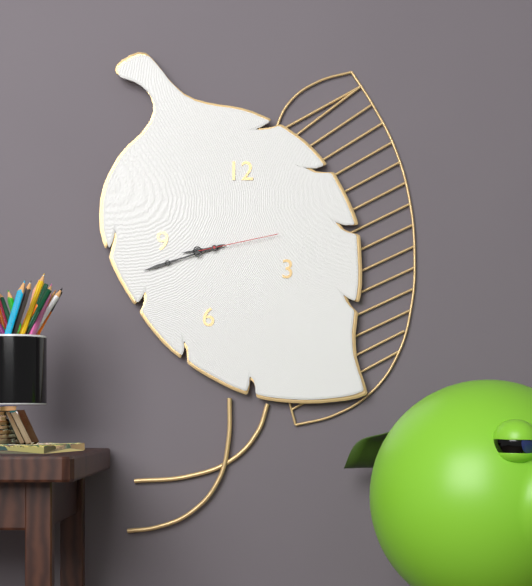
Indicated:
8,42,13
